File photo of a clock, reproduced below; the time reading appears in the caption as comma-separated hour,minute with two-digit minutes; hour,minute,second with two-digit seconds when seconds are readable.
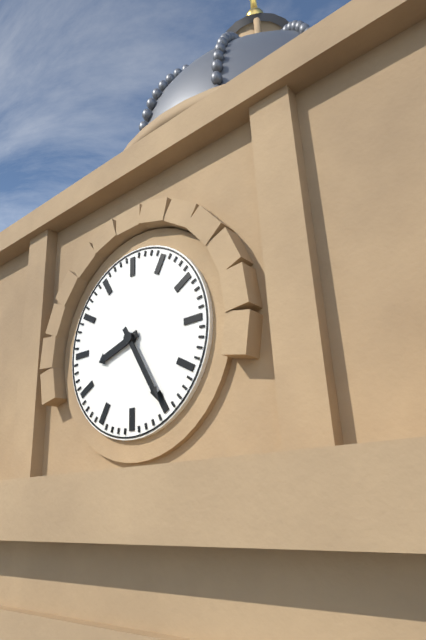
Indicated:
8,25
